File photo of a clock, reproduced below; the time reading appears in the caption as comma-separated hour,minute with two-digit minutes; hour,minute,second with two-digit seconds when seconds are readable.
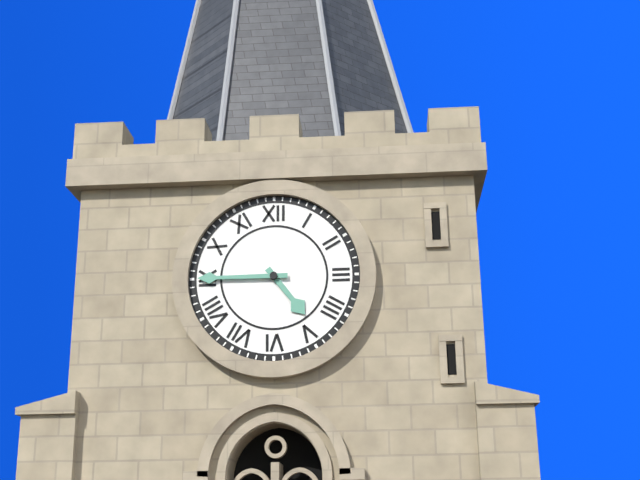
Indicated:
4,45
